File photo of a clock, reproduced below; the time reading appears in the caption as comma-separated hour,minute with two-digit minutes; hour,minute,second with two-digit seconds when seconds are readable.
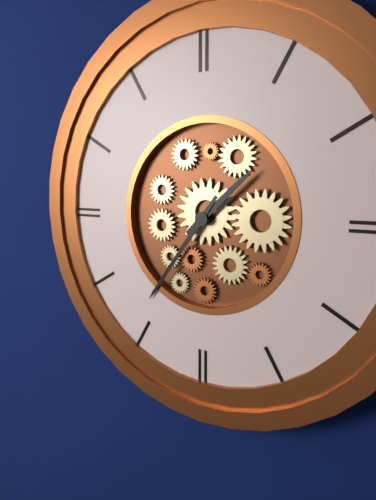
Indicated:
1,36
